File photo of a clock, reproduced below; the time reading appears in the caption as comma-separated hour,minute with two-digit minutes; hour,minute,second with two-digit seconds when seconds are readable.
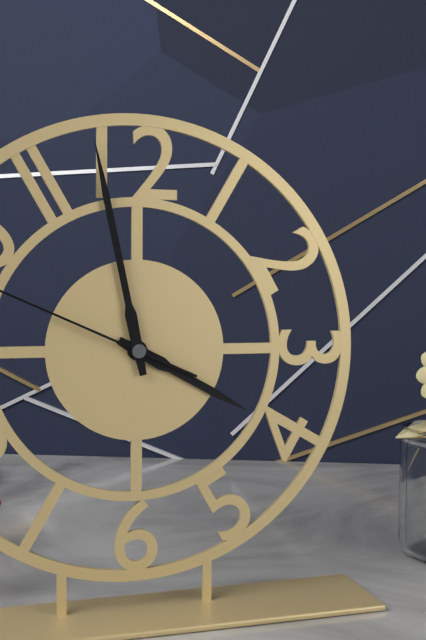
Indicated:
3,58
